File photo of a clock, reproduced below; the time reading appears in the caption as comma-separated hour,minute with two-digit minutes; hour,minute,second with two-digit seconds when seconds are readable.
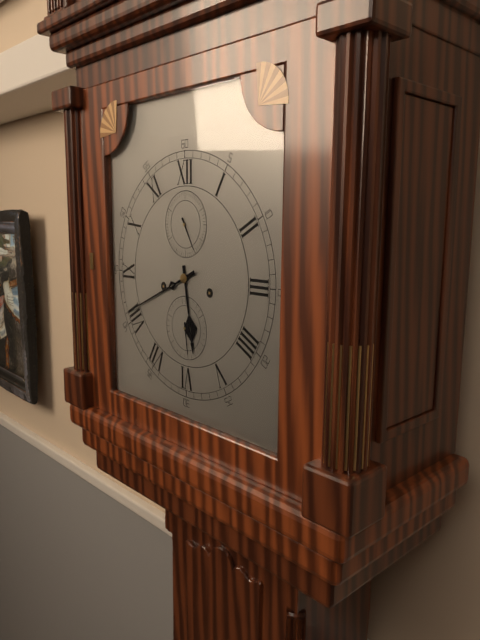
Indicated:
5,41
